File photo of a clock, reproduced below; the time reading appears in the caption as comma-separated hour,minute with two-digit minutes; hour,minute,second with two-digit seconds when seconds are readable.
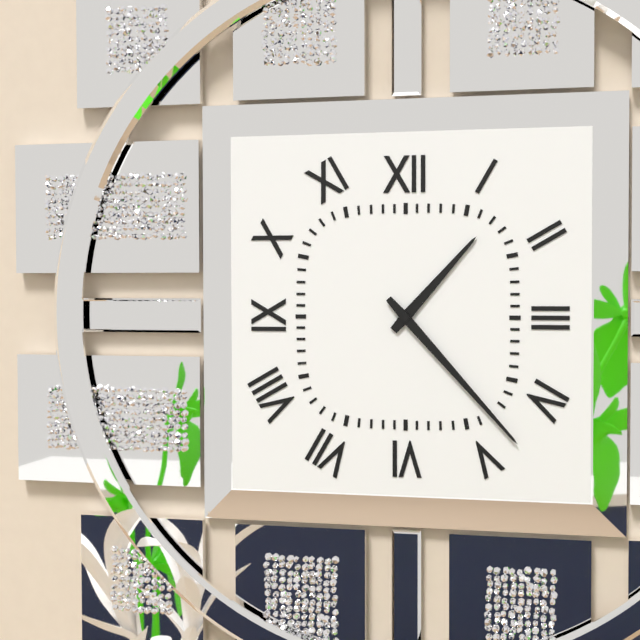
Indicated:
1,23
